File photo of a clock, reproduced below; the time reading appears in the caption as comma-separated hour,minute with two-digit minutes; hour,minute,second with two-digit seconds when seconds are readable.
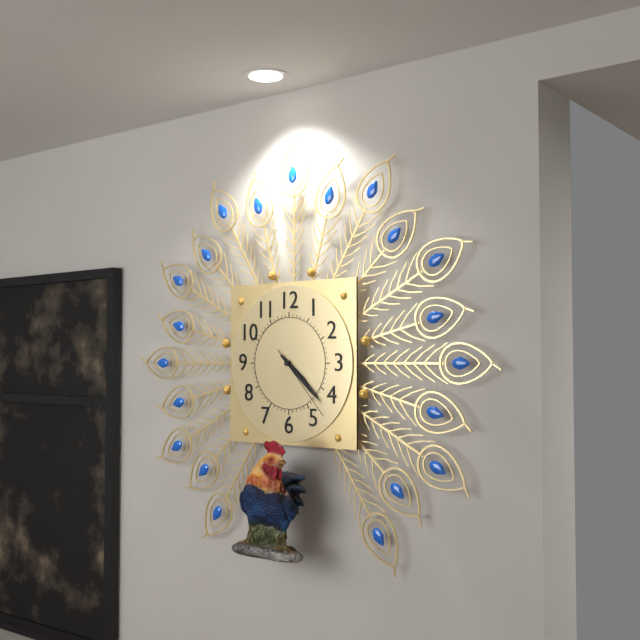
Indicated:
4,22,23
